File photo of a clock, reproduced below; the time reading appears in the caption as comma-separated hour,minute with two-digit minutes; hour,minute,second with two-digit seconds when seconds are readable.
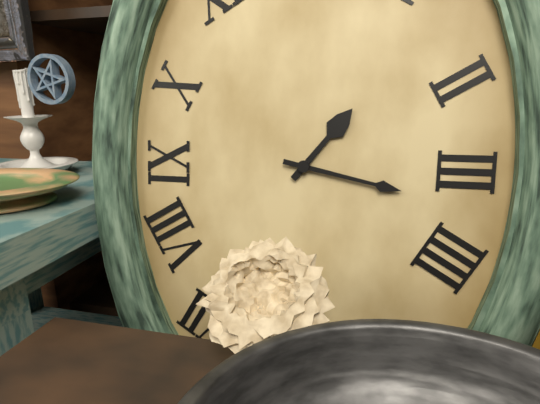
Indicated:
1,17
